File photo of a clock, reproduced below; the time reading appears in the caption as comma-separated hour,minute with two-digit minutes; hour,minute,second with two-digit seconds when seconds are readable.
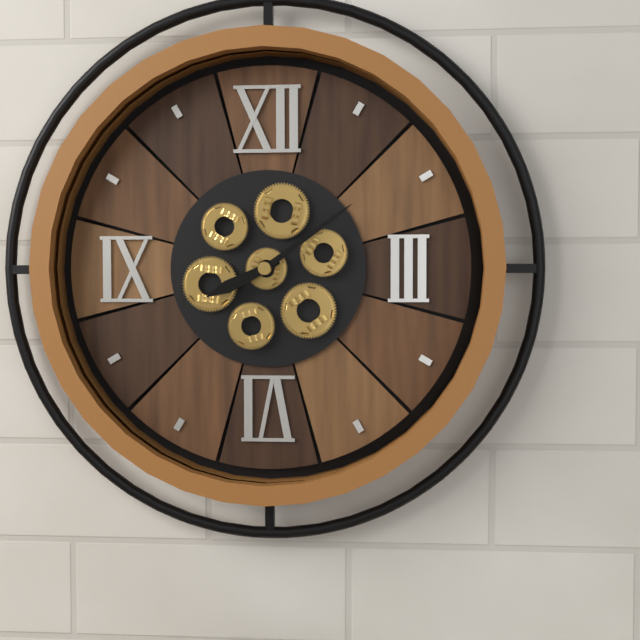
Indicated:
8,09
